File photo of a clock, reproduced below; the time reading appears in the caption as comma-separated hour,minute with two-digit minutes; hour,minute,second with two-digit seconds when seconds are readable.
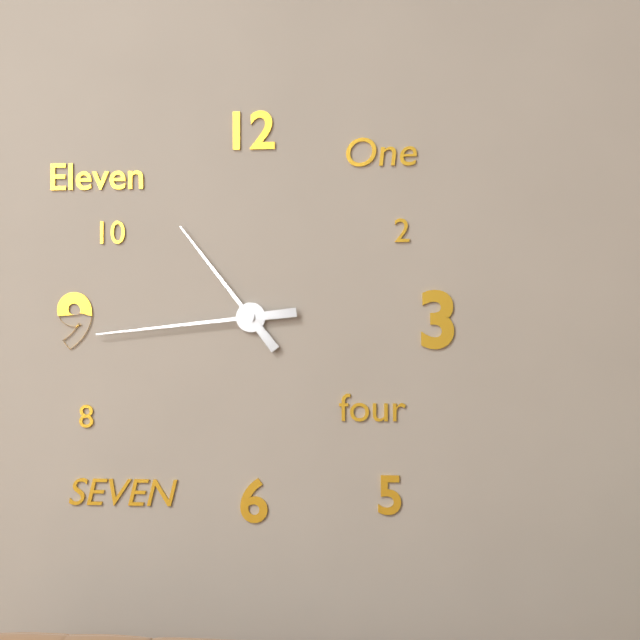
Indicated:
10,44
